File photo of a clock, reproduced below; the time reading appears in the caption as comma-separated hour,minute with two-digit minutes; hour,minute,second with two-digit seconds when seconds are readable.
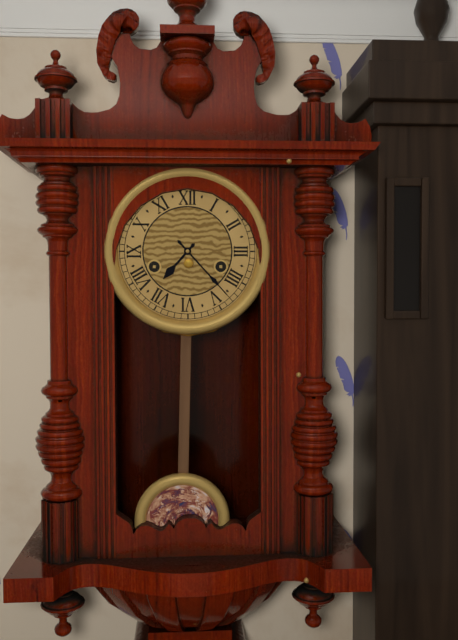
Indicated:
7,23
